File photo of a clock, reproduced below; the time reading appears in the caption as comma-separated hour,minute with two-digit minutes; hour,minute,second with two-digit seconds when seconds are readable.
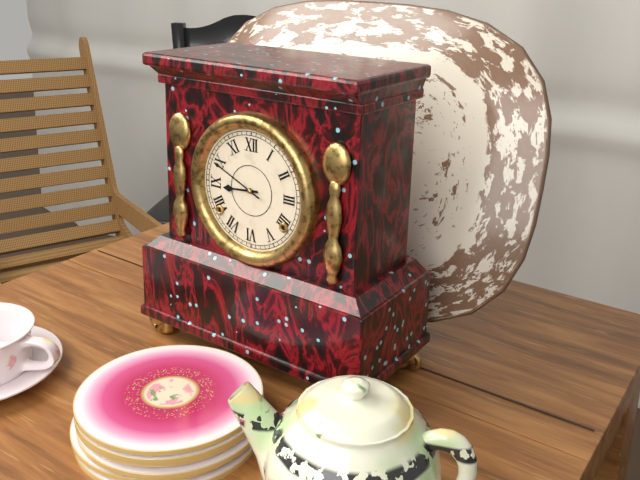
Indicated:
8,49
